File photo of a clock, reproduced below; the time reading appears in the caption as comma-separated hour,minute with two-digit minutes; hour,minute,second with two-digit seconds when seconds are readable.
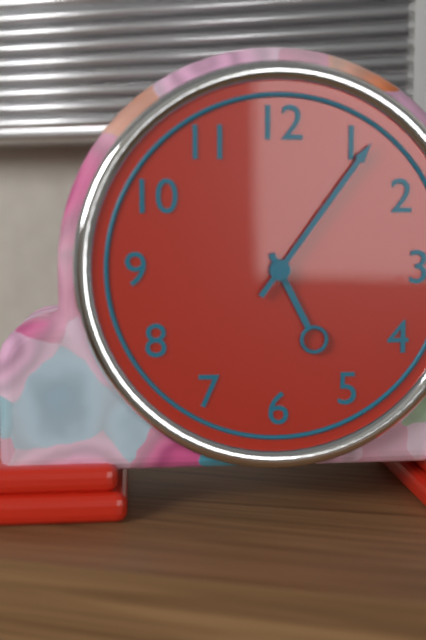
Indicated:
5,06
